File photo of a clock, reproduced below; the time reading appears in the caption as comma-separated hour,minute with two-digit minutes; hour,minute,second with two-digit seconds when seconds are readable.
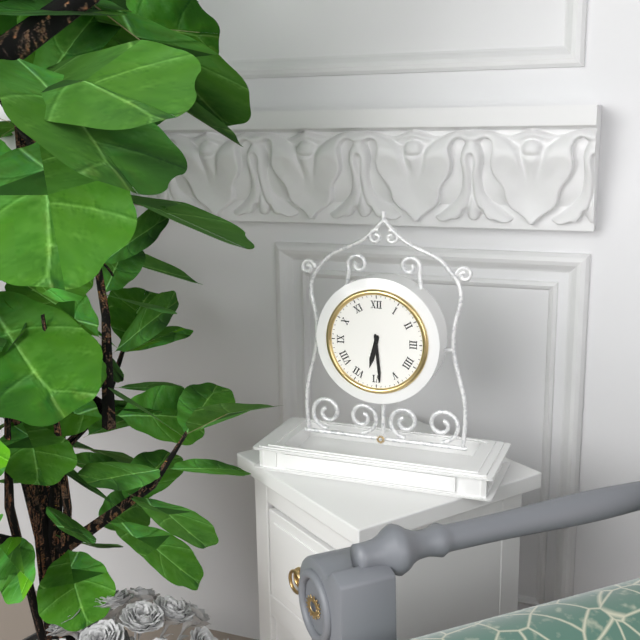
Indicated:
6,29
